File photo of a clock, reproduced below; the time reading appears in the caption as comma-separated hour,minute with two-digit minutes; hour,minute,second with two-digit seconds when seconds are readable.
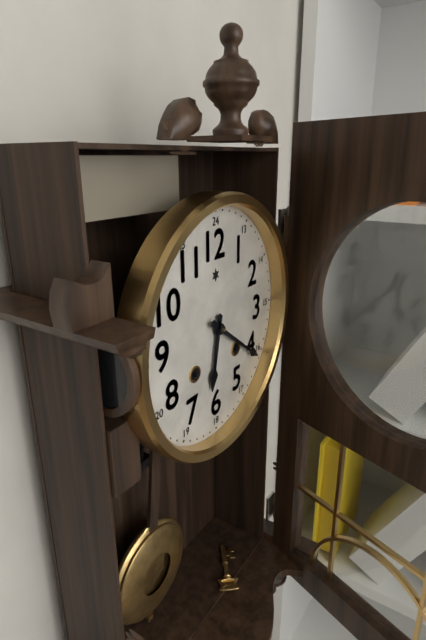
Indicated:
6,21
